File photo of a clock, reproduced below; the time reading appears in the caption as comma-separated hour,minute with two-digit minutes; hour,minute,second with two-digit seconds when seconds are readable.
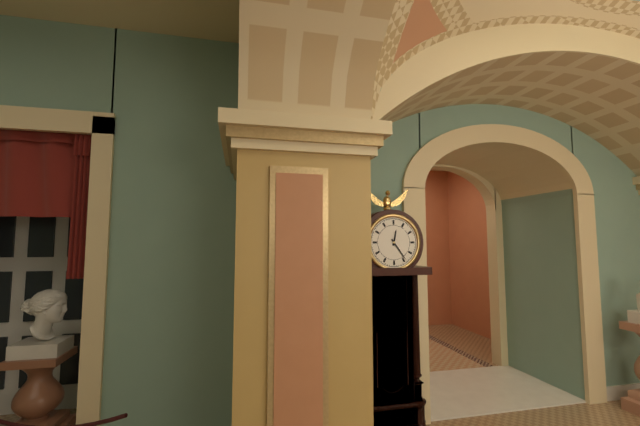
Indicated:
12,24
